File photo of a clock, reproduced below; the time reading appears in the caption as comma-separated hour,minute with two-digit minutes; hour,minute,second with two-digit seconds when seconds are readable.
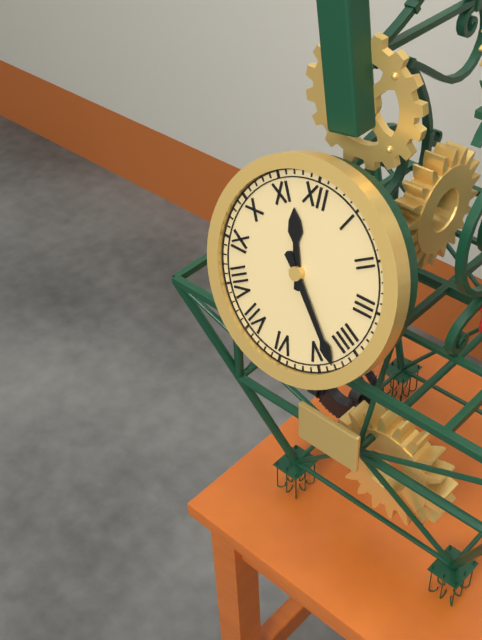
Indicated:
11,23
